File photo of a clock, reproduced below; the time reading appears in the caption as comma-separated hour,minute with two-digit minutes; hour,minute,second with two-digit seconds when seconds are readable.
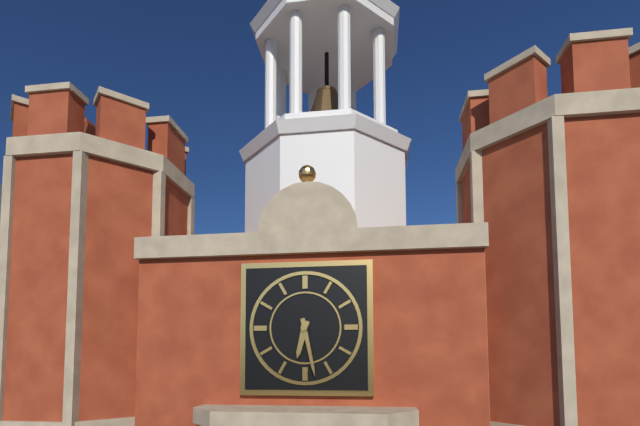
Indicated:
6,28
